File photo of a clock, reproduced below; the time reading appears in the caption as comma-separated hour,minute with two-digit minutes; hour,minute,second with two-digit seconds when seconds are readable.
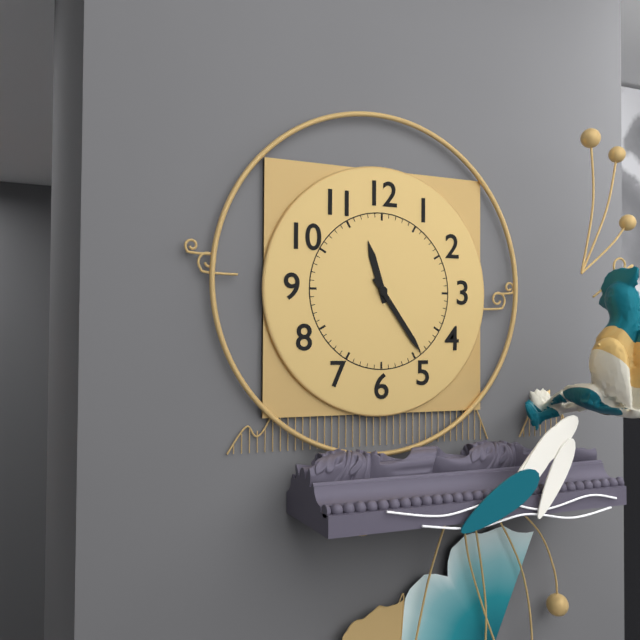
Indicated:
11,24
